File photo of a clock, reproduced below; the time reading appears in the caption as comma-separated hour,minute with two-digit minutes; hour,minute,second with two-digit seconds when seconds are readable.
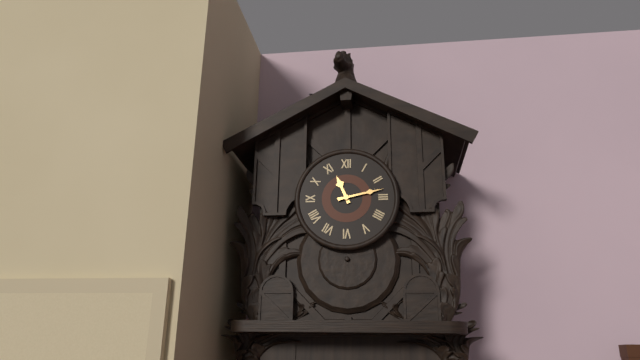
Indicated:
11,13
